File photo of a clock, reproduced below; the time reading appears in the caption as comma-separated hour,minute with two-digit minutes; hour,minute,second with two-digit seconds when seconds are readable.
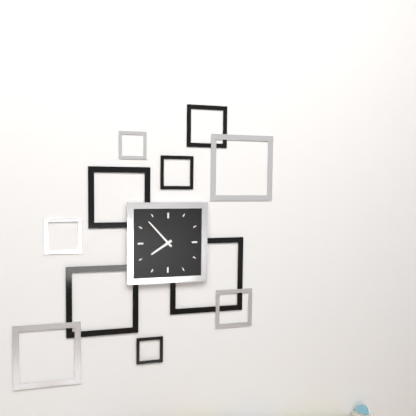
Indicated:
7,53
